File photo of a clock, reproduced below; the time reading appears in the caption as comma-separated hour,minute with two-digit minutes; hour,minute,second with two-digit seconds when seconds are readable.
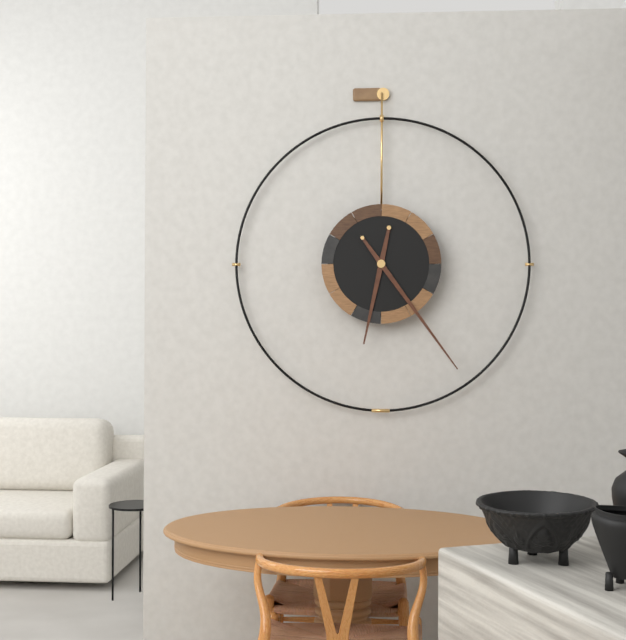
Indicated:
6,24
